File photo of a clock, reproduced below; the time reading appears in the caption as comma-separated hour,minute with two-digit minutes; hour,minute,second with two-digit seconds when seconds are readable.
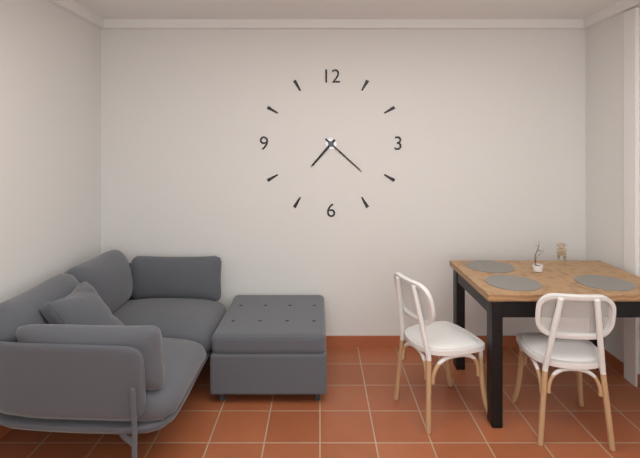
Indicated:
7,22
